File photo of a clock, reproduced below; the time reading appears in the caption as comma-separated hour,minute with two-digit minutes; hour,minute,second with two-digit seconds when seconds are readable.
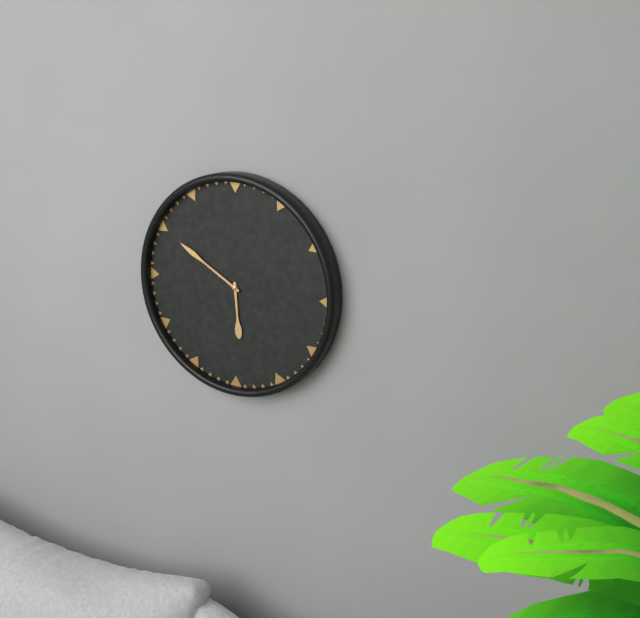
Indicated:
5,50
